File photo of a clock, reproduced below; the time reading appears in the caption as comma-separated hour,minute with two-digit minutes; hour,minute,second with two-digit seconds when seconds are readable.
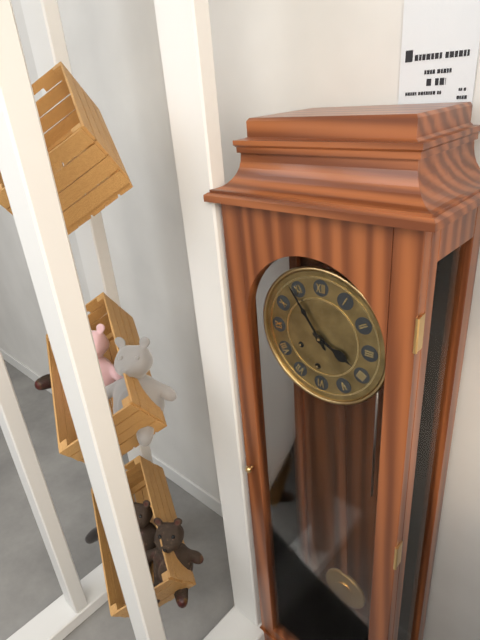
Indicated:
3,54
